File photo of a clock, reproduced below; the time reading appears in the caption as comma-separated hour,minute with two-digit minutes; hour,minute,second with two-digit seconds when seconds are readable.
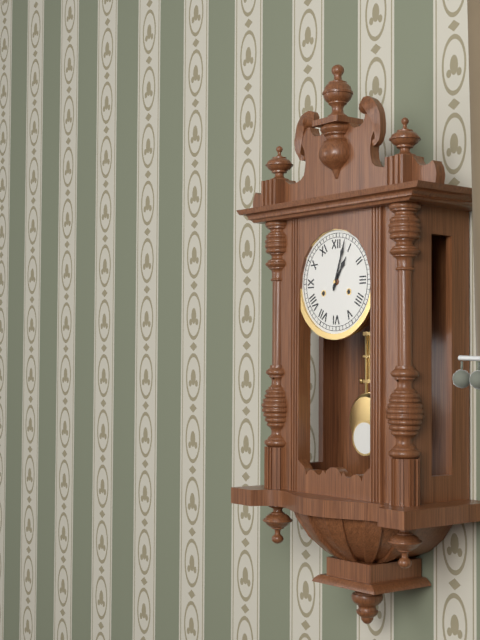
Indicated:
1,03
